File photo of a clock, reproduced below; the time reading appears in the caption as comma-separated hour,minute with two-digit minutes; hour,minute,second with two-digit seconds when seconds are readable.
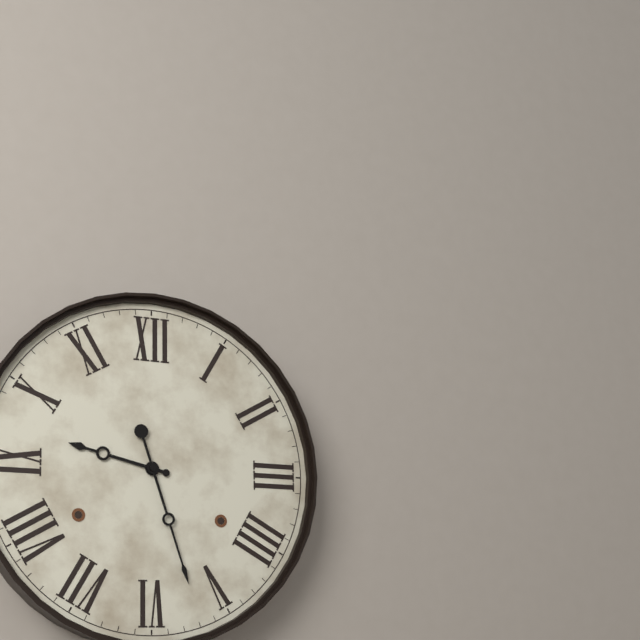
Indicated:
9,27
